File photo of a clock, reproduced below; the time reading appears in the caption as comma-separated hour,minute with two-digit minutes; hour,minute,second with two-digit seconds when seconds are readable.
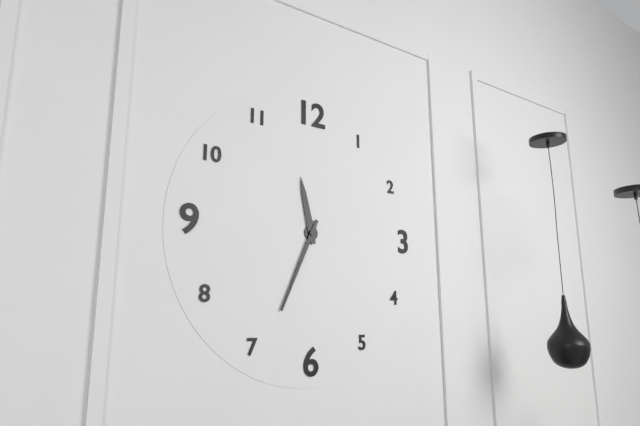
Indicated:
11,34
